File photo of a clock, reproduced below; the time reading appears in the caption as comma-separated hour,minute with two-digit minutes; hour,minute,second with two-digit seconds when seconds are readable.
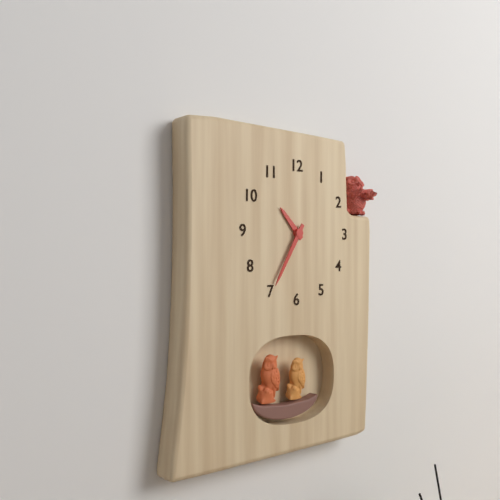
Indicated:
10,35
